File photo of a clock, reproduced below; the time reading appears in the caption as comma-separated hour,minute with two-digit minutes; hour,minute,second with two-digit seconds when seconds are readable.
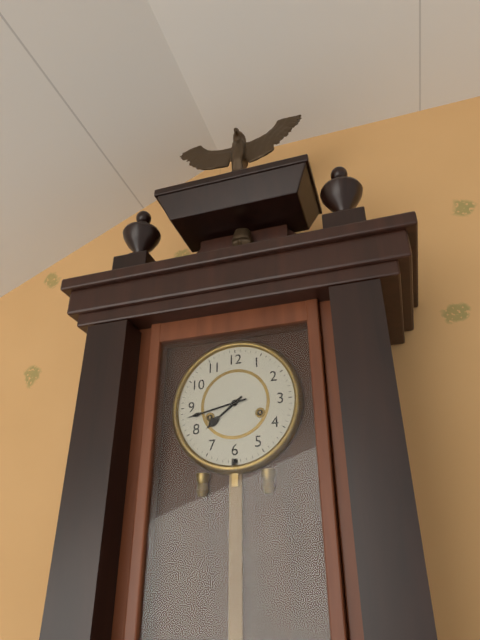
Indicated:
7,43
